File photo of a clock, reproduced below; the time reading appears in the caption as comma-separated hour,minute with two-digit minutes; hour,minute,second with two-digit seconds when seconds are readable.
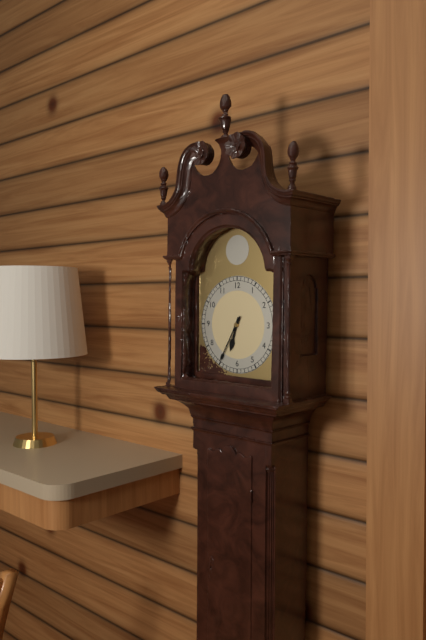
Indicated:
6,35
